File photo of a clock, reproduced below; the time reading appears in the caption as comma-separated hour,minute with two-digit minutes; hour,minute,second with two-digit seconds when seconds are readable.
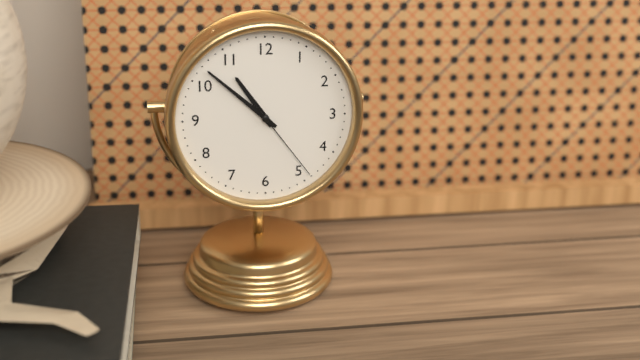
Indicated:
10,52,24
